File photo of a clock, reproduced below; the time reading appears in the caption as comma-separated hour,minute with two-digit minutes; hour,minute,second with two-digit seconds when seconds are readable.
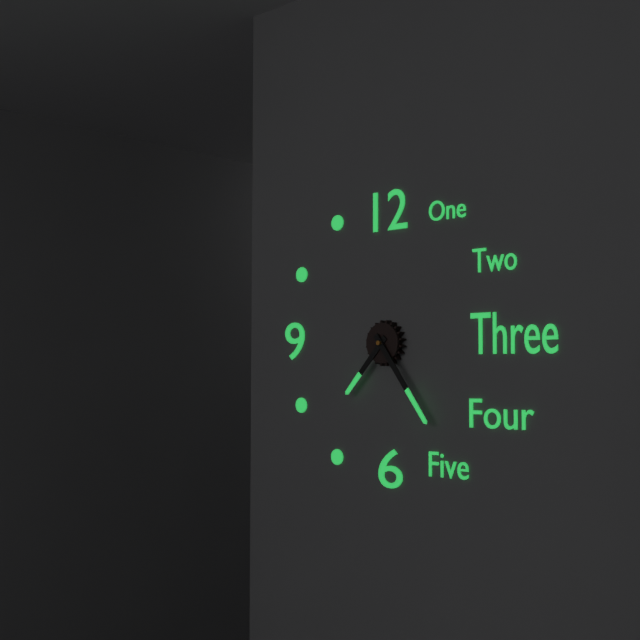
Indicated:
7,24
